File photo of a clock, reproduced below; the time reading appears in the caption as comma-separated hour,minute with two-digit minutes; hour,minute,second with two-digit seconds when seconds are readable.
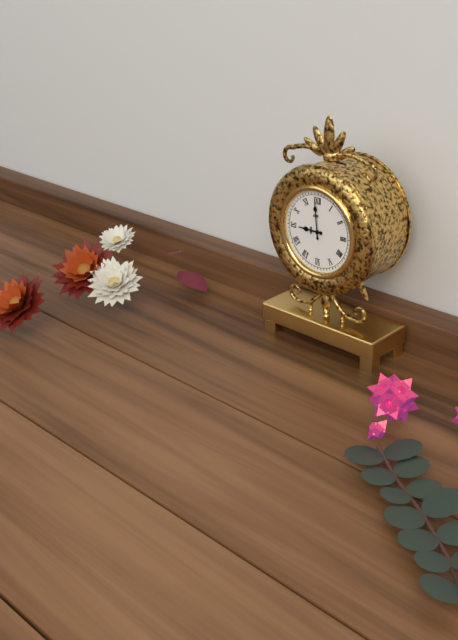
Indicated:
8,59
